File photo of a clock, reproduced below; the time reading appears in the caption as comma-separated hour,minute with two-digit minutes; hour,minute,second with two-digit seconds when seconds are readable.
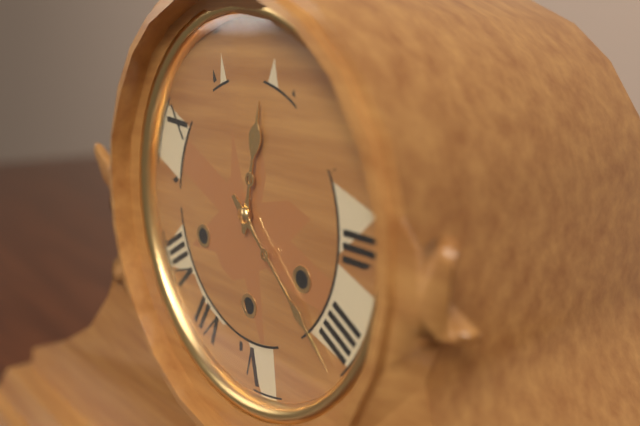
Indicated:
12,22
